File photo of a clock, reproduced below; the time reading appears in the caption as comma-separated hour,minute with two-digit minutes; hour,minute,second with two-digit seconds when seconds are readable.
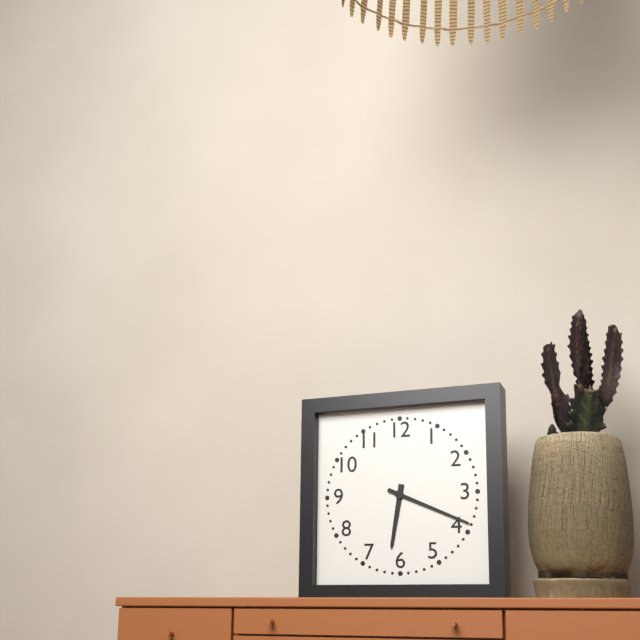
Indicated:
6,19
